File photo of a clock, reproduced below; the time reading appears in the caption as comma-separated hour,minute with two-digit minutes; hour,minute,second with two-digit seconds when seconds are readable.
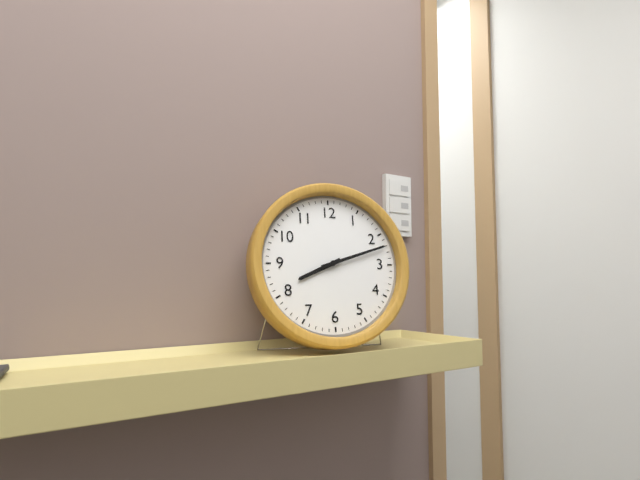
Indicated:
8,12
